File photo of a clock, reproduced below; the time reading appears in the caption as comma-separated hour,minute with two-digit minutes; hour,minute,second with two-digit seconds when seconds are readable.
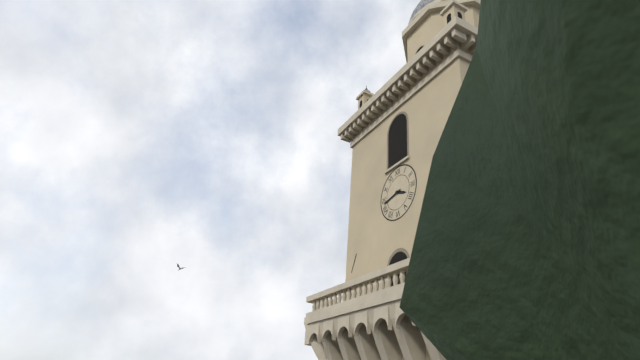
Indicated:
3,43
